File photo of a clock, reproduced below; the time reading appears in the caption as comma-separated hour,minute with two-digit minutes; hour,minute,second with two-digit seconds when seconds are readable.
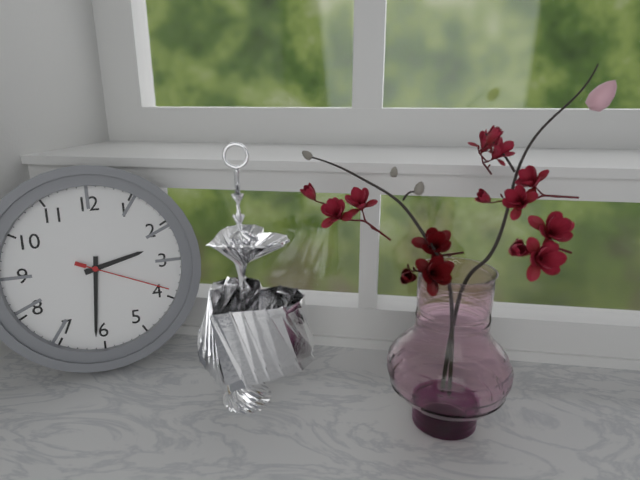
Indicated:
2,31,19
